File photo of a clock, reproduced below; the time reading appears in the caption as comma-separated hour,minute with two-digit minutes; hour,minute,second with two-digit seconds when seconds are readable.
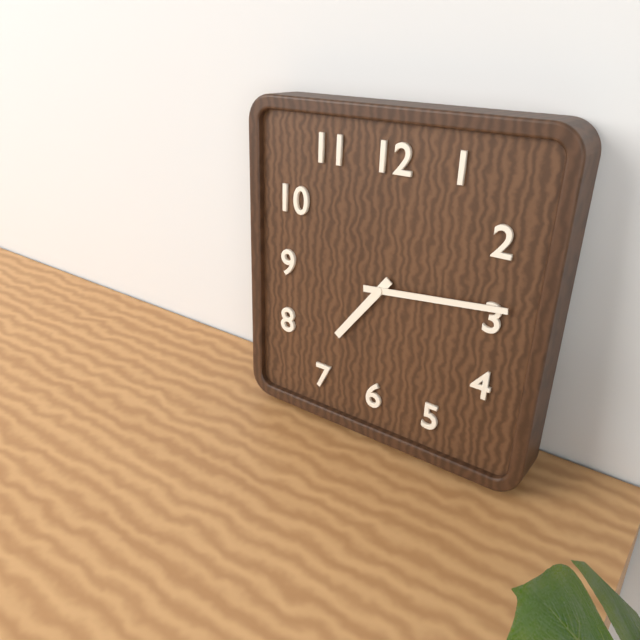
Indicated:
7,14
